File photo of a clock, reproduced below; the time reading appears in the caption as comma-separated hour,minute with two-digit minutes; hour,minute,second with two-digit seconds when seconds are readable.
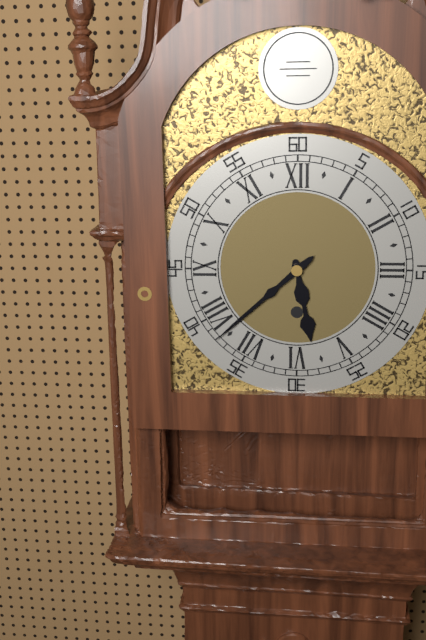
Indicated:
5,38
